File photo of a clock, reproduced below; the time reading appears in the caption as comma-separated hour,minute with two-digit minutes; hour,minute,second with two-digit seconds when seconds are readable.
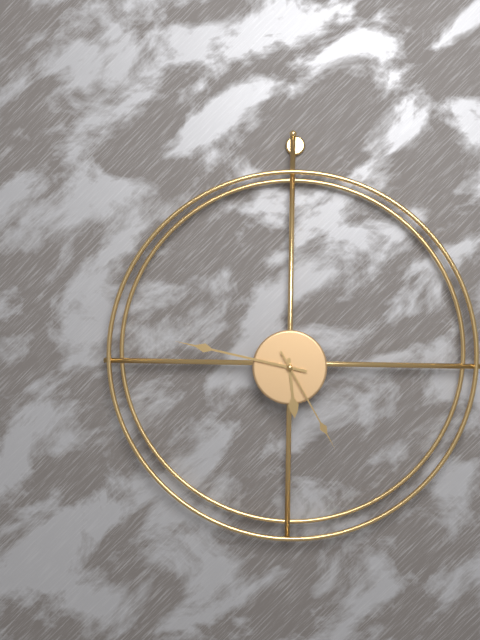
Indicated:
5,47,25
